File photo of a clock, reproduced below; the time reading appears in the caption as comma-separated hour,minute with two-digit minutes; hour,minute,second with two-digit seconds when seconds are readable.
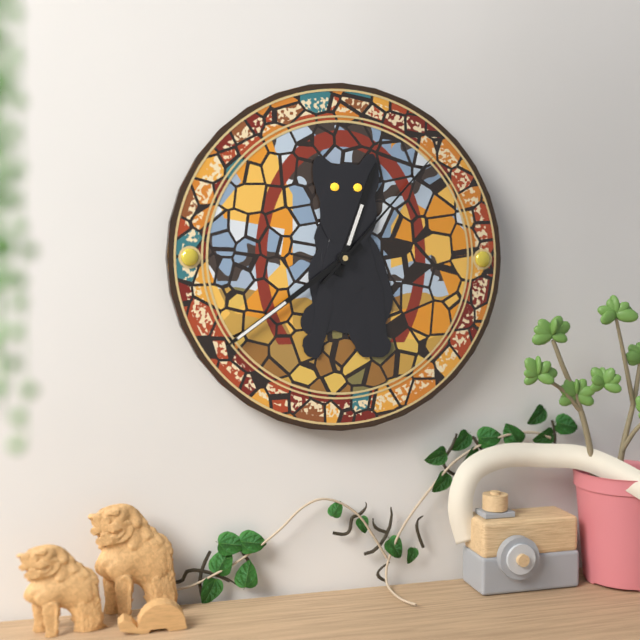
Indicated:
12,39,07
